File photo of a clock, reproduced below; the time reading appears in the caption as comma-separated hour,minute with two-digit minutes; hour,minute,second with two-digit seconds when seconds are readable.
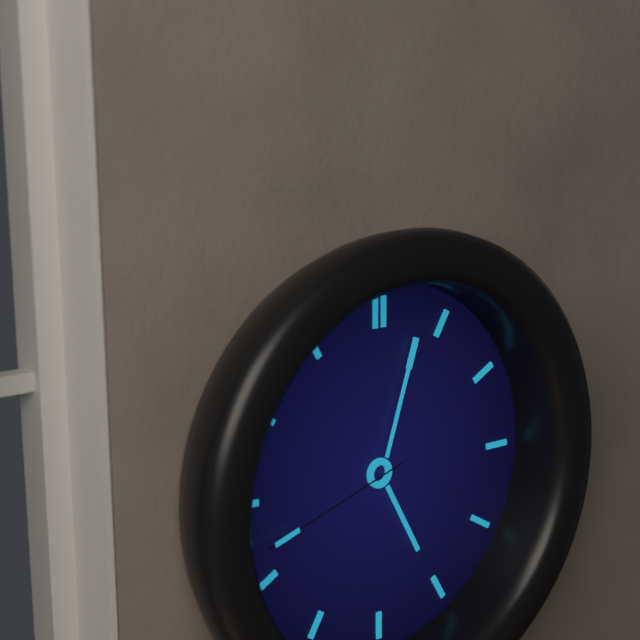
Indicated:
5,03,42
